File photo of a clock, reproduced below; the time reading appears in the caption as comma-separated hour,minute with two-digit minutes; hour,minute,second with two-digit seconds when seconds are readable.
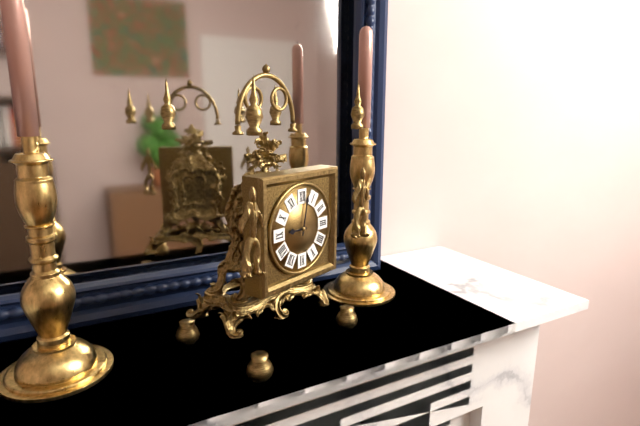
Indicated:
9,02
